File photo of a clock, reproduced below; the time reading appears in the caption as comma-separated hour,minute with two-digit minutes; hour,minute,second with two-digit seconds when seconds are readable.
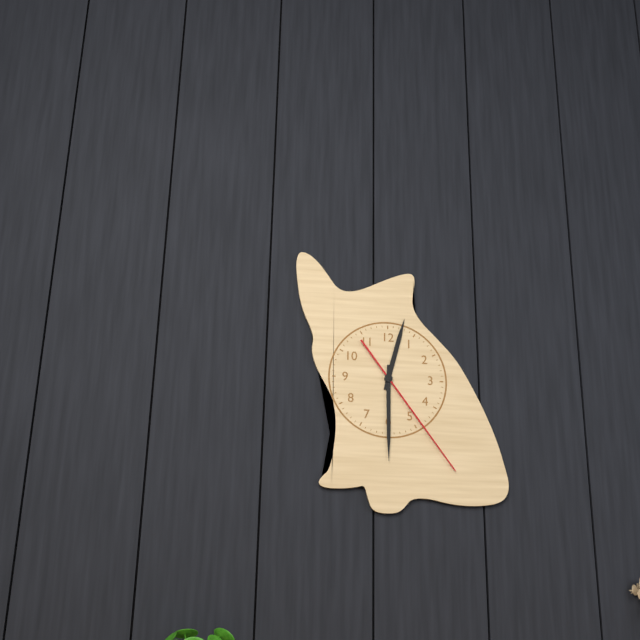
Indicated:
12,30,24
